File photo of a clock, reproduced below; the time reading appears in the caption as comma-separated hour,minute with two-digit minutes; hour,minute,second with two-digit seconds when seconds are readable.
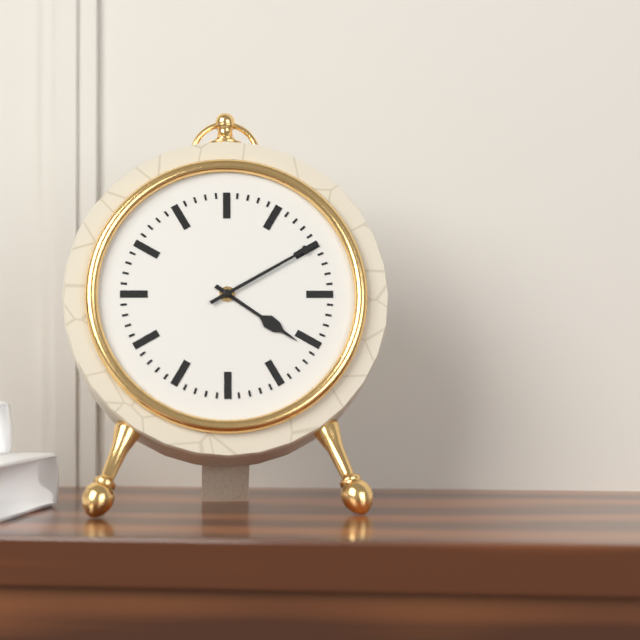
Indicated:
4,10
